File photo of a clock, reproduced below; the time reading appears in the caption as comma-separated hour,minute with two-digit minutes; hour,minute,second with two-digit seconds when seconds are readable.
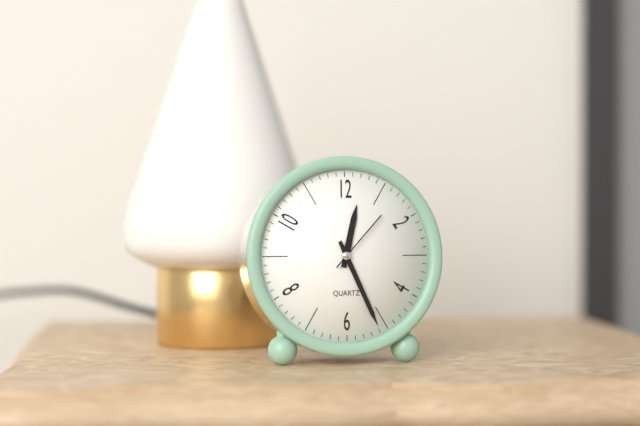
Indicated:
12,26,07
